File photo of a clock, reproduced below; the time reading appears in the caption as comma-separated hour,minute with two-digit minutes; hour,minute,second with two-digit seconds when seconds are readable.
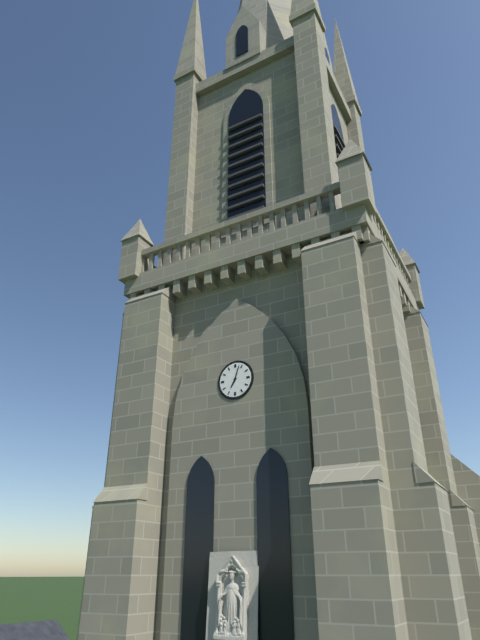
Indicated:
7,03
